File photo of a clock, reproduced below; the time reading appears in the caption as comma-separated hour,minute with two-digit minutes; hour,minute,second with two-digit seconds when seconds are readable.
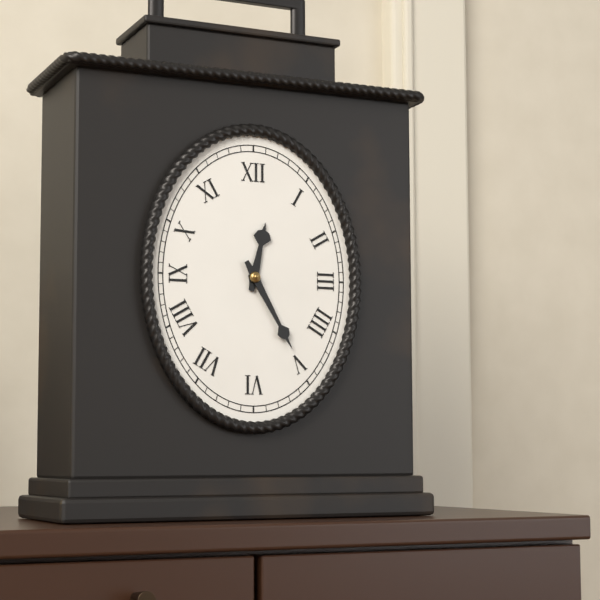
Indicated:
12,25
